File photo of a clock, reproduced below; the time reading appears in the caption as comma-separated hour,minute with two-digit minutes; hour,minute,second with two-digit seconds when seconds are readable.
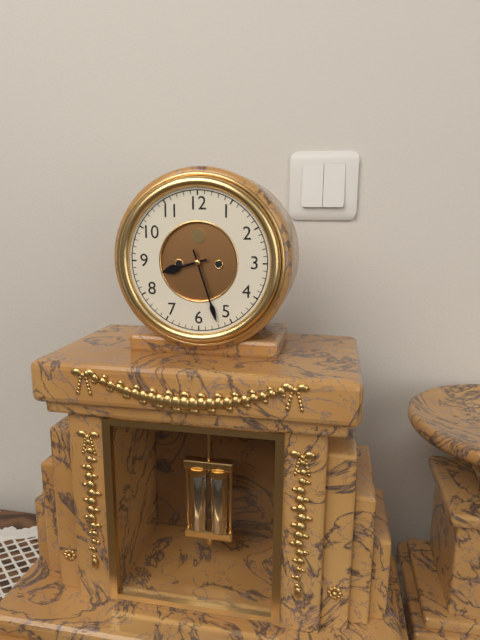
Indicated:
8,27
